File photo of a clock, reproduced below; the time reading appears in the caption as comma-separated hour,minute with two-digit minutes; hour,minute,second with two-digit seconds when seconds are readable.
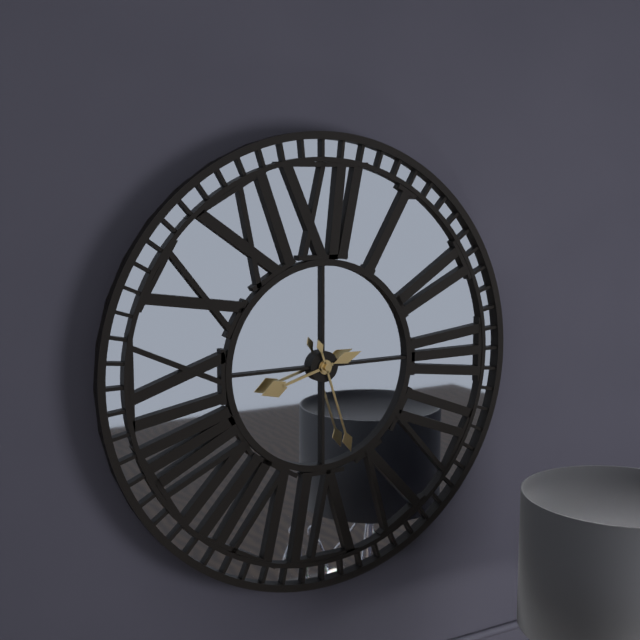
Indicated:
8,27
